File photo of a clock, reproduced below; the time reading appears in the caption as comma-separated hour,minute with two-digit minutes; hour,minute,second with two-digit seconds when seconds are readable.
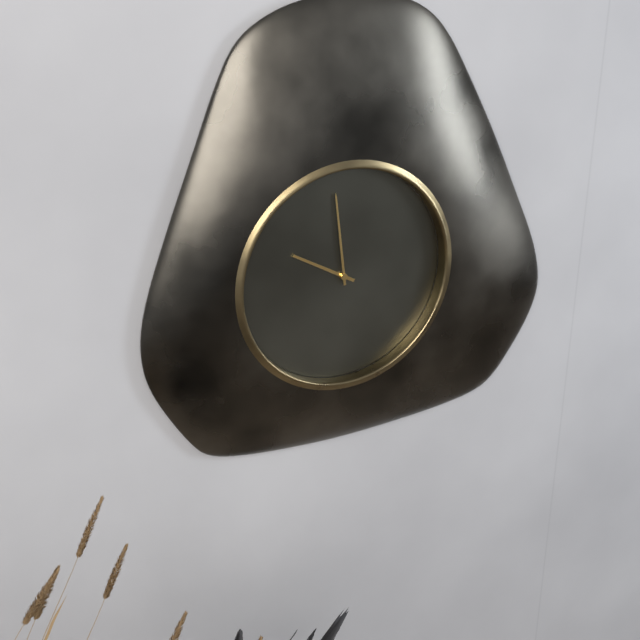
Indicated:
9,59
